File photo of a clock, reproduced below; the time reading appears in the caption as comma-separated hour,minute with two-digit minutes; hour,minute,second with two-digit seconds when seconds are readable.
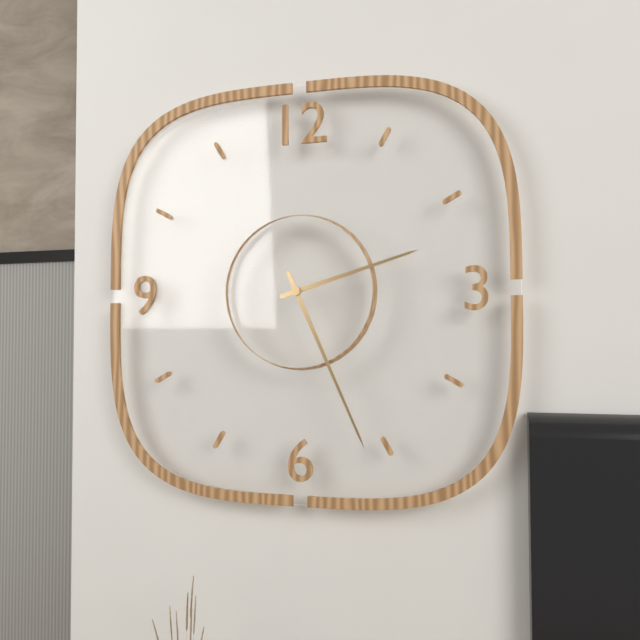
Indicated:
2,26
